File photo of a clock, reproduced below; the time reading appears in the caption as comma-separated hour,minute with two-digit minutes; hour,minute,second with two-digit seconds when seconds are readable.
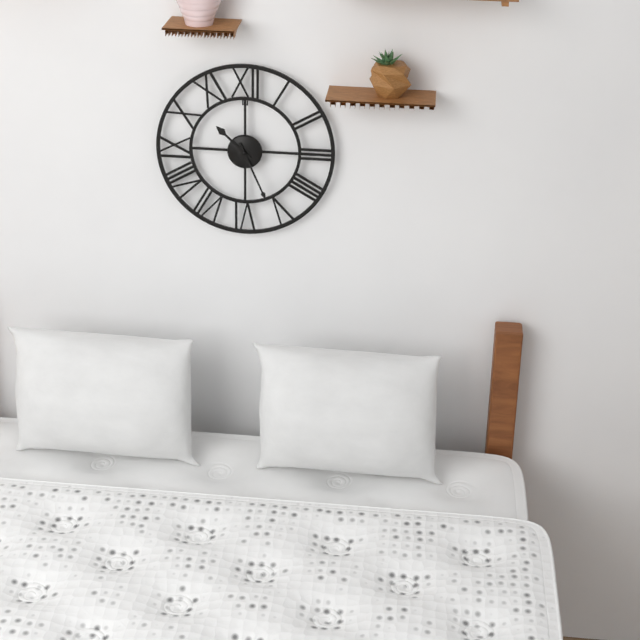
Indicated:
10,26
